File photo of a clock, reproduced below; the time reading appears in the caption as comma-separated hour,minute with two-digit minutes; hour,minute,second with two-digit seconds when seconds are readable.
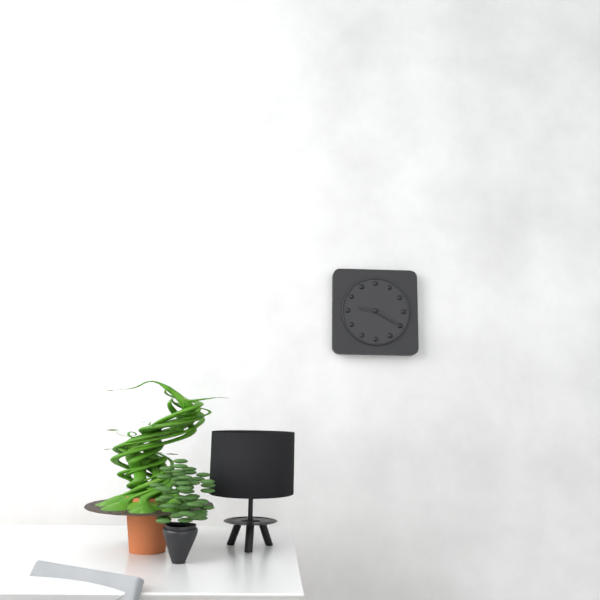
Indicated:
9,20
